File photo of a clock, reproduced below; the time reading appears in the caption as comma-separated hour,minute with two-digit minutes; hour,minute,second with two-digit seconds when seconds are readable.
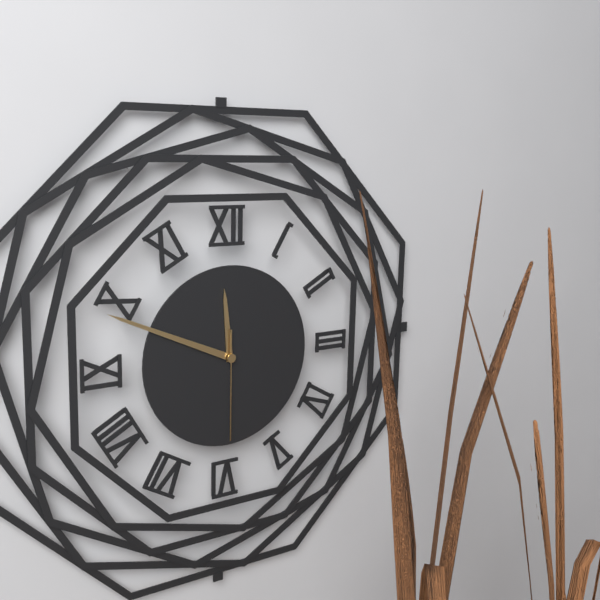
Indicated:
11,49,30
